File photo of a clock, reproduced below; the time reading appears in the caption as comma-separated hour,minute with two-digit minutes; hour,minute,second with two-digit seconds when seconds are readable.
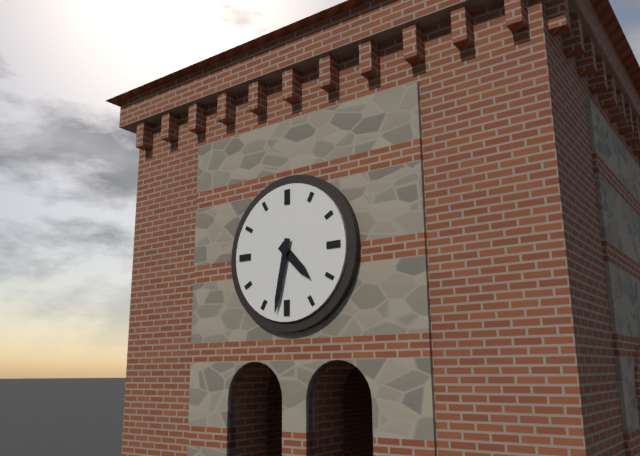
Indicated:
4,32
